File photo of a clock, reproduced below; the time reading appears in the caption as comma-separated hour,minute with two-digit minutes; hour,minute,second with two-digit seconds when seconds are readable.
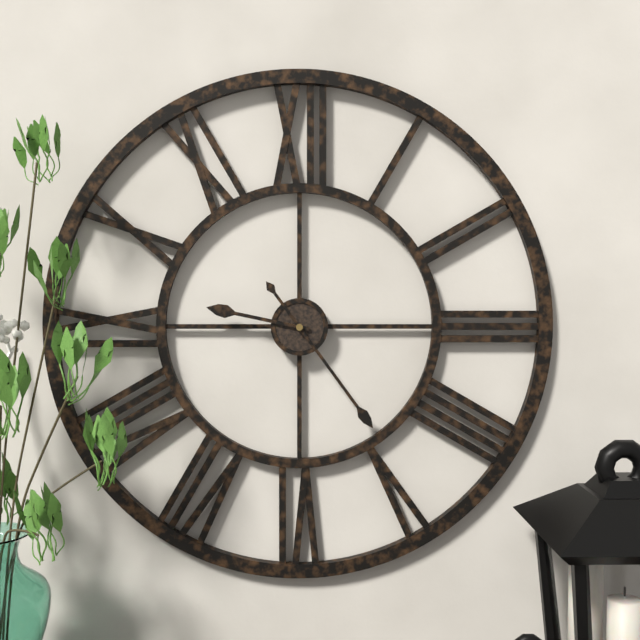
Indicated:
9,24
